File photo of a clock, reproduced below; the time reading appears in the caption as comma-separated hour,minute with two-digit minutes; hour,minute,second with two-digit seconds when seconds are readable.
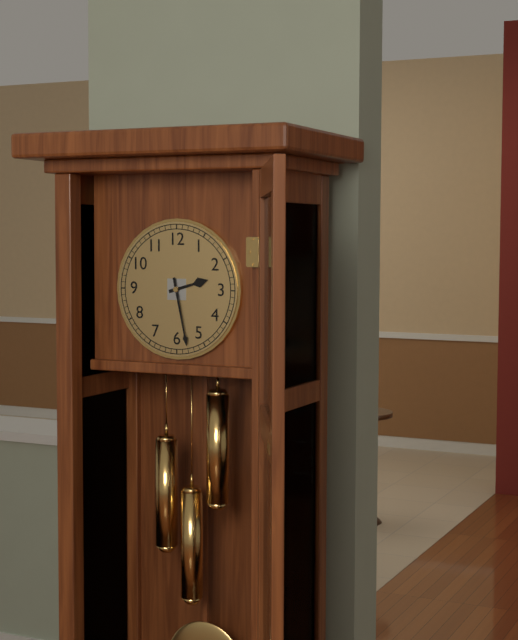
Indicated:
2,28
